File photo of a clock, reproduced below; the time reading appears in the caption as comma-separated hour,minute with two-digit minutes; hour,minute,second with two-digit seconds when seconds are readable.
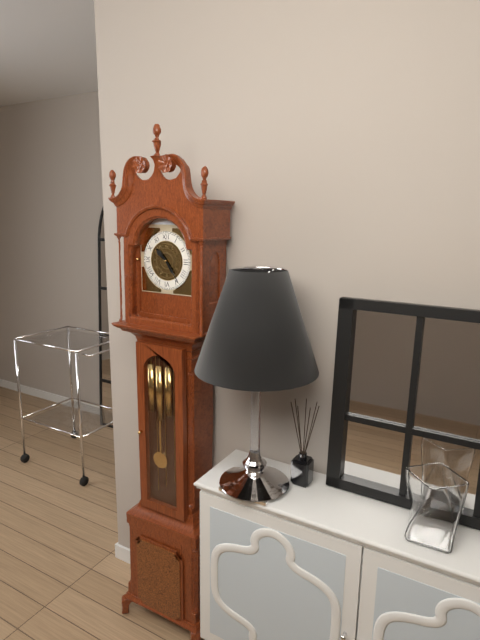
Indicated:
10,24
